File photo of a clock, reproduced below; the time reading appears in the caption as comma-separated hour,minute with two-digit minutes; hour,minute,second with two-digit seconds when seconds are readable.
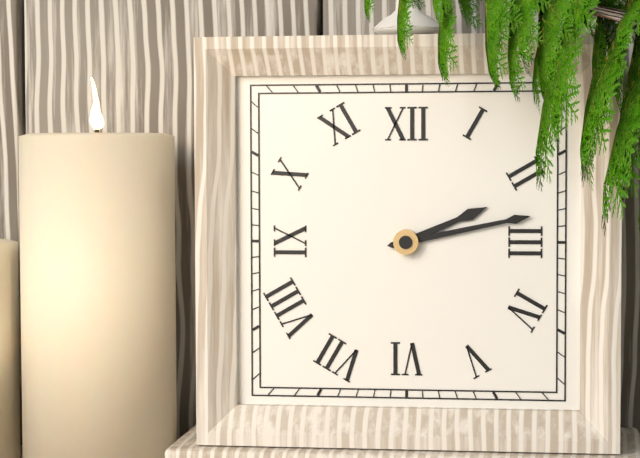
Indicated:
2,13
